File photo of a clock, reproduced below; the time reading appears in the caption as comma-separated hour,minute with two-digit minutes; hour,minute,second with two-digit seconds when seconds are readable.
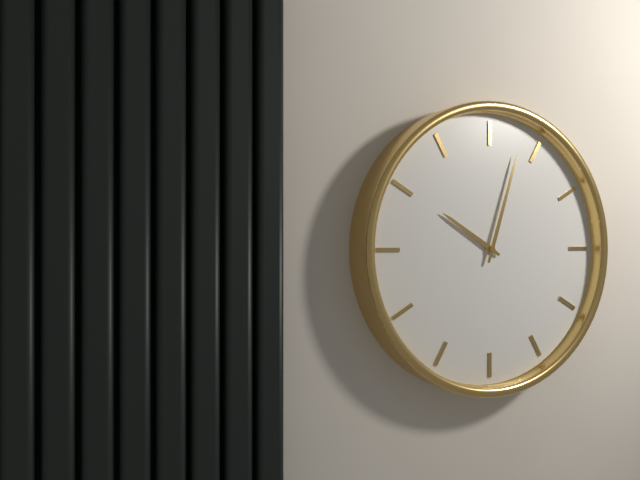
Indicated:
10,03
